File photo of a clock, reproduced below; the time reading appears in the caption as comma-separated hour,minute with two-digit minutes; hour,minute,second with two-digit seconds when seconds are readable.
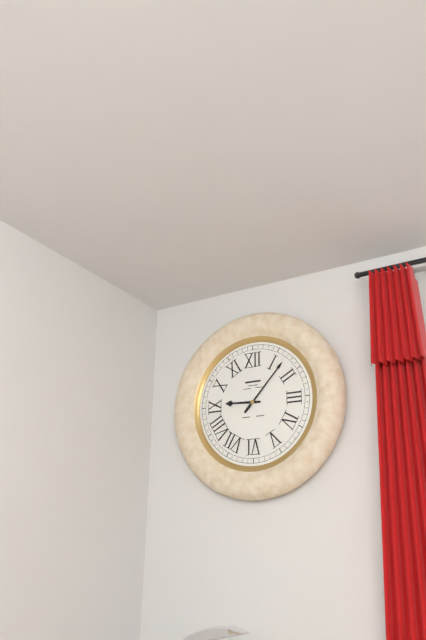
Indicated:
9,07
